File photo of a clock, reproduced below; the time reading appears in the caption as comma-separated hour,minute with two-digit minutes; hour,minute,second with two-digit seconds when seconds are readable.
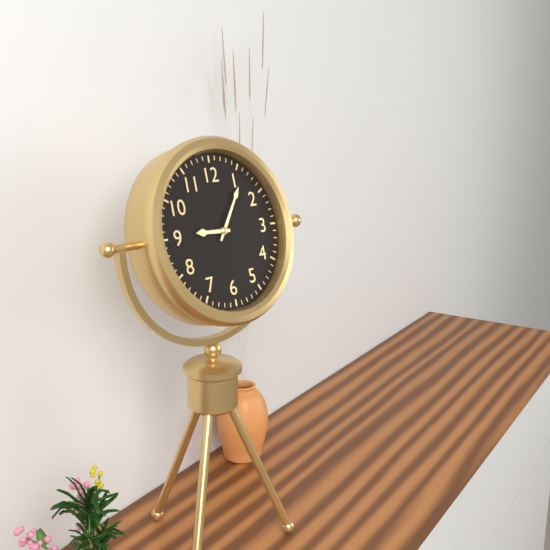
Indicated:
9,06
